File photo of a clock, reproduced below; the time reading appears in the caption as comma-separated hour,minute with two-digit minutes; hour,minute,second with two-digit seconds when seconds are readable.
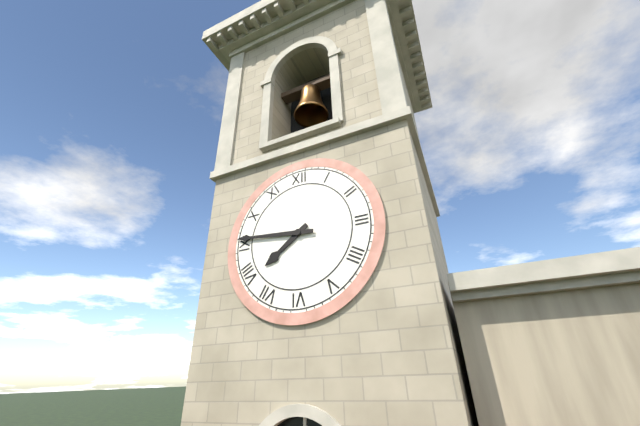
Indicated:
7,46
